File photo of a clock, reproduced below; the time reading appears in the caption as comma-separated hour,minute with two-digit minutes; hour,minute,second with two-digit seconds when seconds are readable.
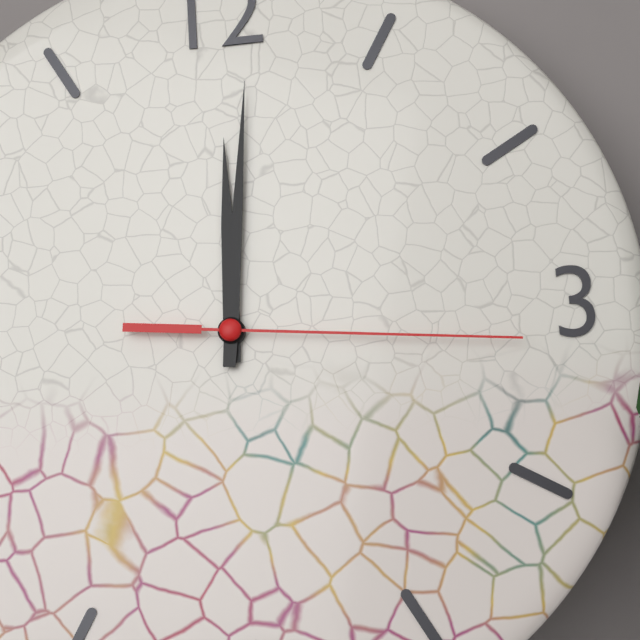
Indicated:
12,01,16
